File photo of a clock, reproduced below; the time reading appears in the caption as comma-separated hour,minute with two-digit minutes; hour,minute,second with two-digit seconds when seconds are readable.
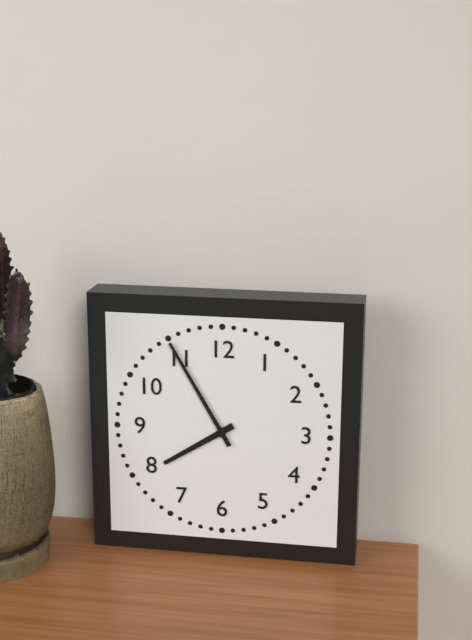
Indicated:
7,55
